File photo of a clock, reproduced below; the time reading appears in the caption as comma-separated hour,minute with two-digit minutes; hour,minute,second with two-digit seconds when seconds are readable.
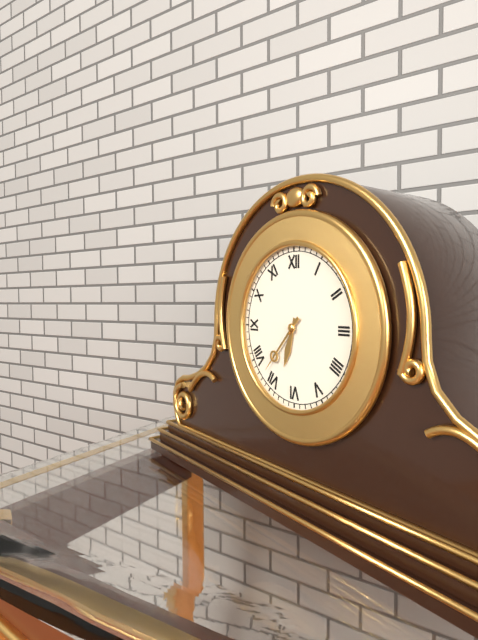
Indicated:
6,37
